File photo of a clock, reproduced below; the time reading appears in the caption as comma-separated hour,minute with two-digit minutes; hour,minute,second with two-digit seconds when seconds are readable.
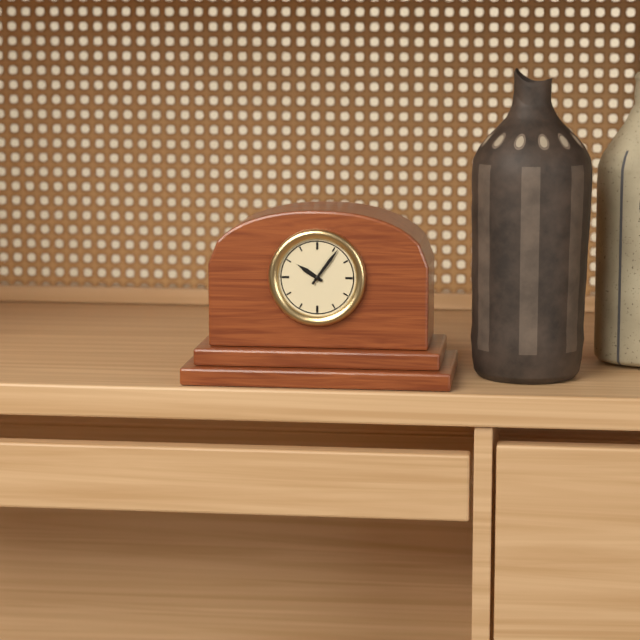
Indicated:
10,06
